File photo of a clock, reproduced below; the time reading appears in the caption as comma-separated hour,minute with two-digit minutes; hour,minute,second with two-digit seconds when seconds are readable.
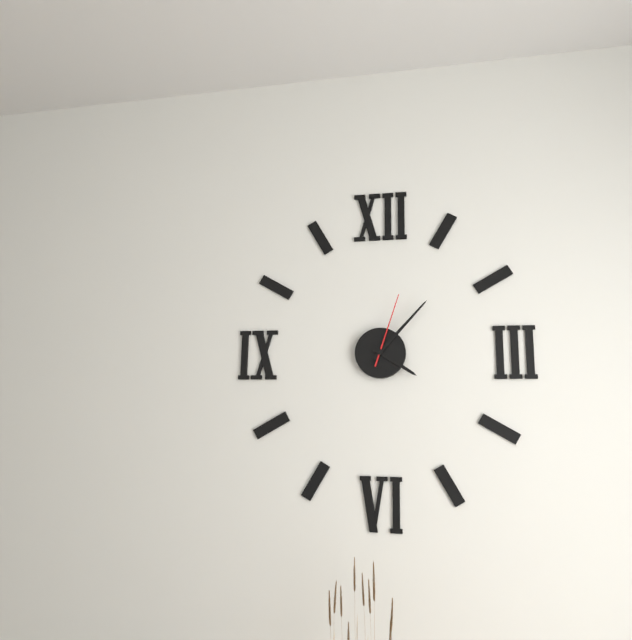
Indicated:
4,07,03
